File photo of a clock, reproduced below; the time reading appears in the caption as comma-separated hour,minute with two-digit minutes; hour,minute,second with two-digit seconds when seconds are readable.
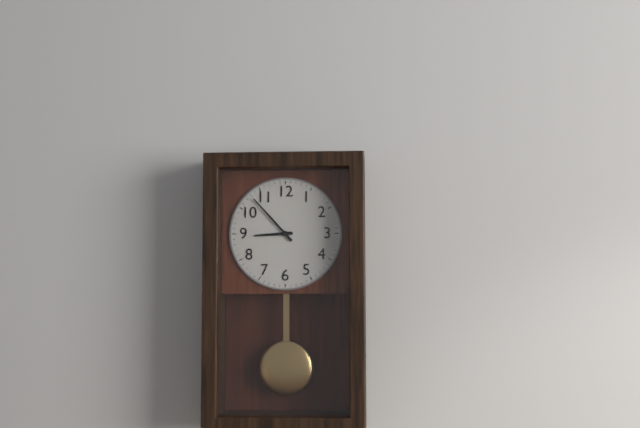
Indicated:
8,53
